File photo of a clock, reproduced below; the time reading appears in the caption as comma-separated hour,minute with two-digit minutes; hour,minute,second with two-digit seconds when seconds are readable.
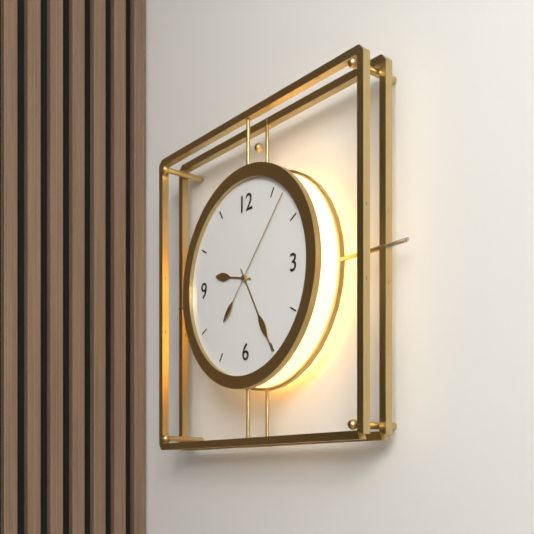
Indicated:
9,25,07
